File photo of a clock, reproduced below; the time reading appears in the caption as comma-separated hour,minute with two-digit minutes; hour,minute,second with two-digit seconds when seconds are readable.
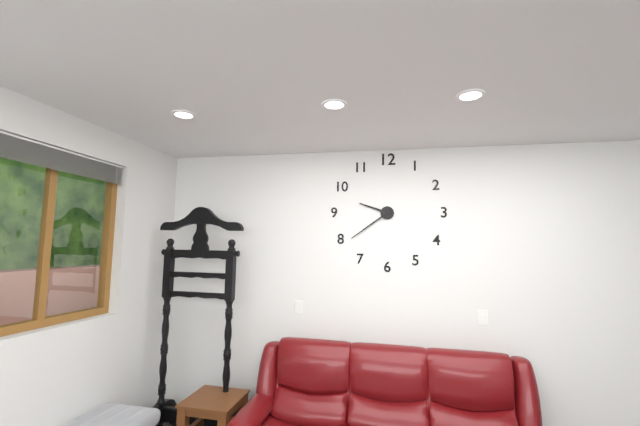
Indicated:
9,39
